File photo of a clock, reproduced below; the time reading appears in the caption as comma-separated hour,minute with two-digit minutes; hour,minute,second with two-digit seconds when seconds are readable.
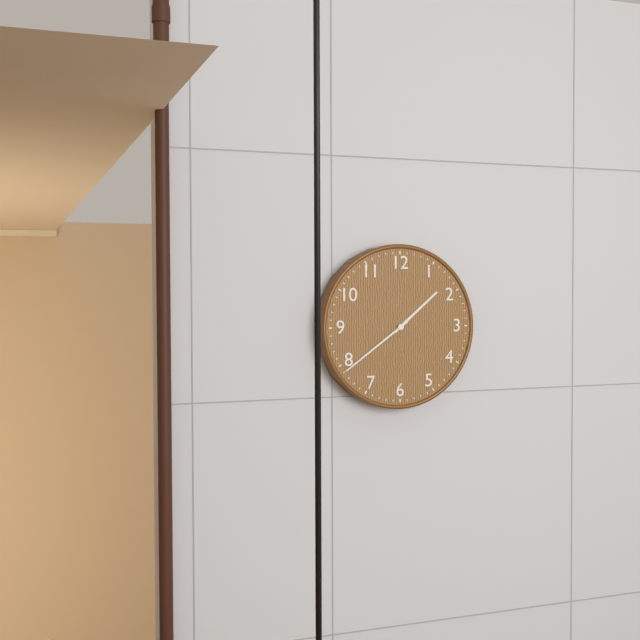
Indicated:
1,39
